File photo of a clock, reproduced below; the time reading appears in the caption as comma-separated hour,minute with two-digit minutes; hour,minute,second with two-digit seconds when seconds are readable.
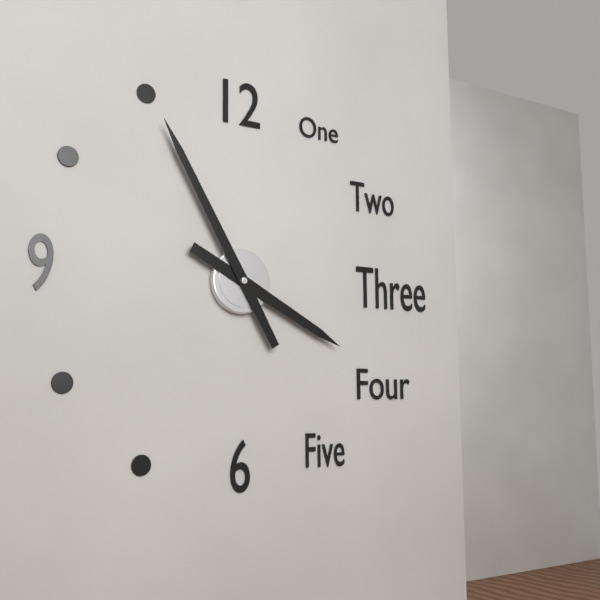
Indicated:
3,55
